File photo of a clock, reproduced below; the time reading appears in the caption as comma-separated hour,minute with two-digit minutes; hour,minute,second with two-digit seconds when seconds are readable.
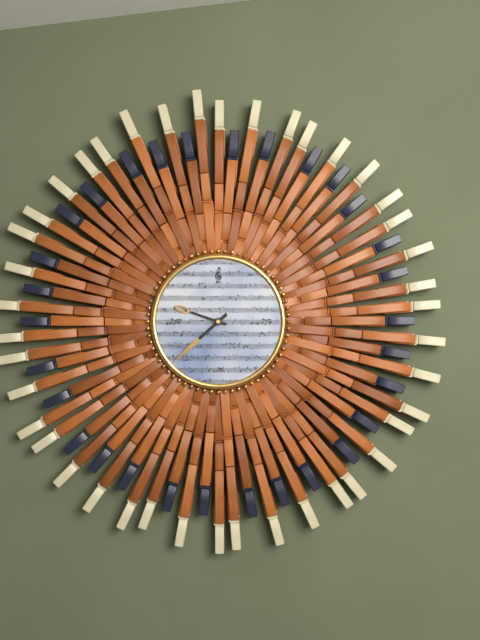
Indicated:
9,38
